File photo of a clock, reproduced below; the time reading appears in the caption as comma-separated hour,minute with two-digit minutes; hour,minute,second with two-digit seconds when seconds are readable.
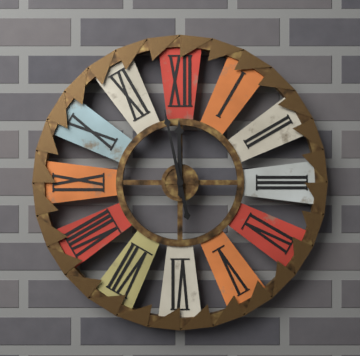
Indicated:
11,58
